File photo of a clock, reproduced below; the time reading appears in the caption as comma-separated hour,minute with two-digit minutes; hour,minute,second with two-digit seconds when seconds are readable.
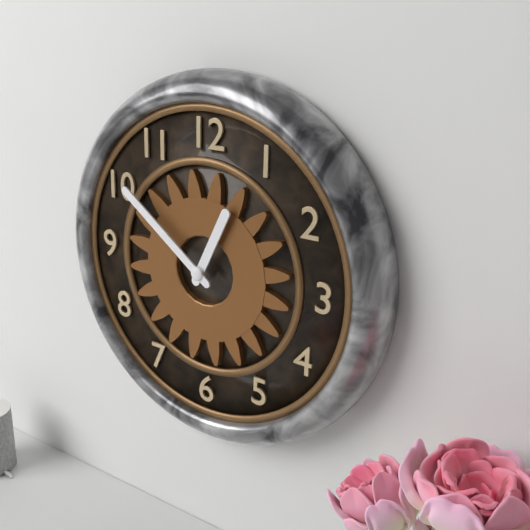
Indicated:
12,51
